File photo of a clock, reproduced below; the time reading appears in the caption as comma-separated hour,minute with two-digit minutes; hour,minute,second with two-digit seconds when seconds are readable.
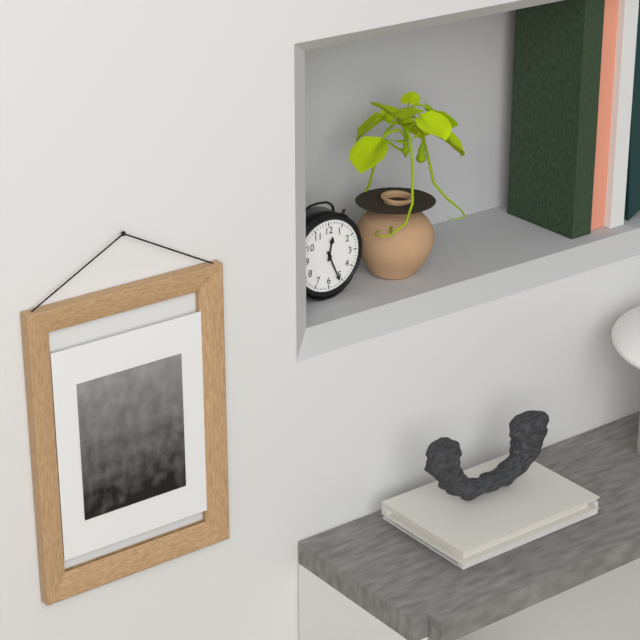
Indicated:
12,26
